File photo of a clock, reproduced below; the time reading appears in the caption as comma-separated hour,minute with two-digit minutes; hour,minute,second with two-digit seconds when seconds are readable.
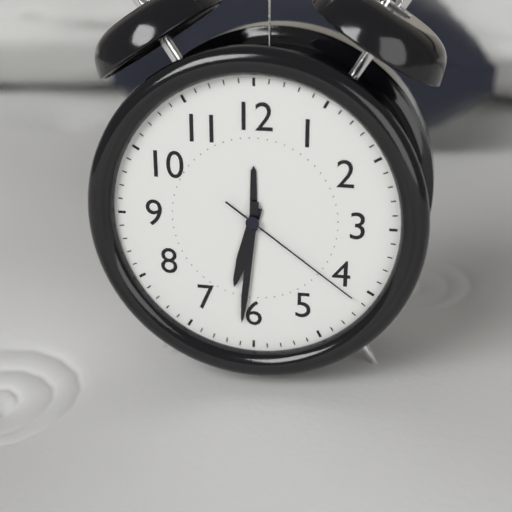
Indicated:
6,31,21
